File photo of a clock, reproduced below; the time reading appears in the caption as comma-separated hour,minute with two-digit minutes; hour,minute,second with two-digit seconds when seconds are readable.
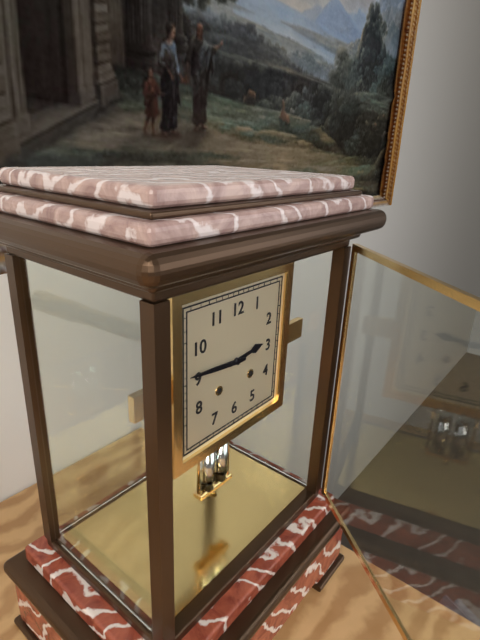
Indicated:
2,46
